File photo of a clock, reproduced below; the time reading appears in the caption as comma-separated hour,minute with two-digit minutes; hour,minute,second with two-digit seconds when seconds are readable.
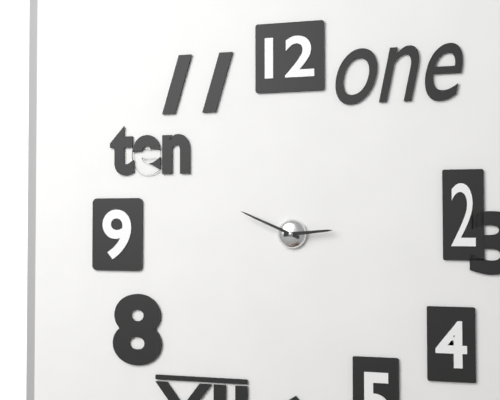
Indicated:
2,49
